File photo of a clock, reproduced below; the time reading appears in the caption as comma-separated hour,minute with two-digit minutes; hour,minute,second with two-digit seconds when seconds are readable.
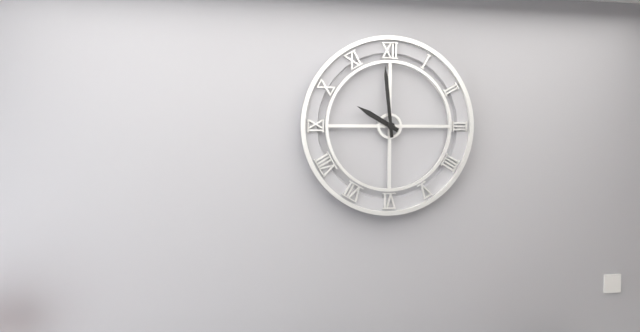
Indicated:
9,59
